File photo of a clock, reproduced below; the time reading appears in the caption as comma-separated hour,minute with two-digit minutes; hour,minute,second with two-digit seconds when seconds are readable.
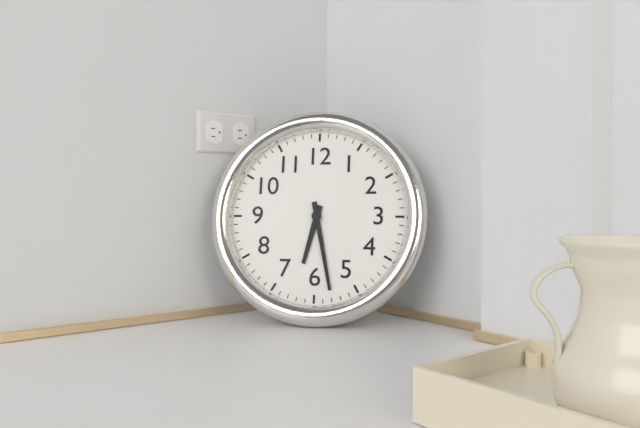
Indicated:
6,28
